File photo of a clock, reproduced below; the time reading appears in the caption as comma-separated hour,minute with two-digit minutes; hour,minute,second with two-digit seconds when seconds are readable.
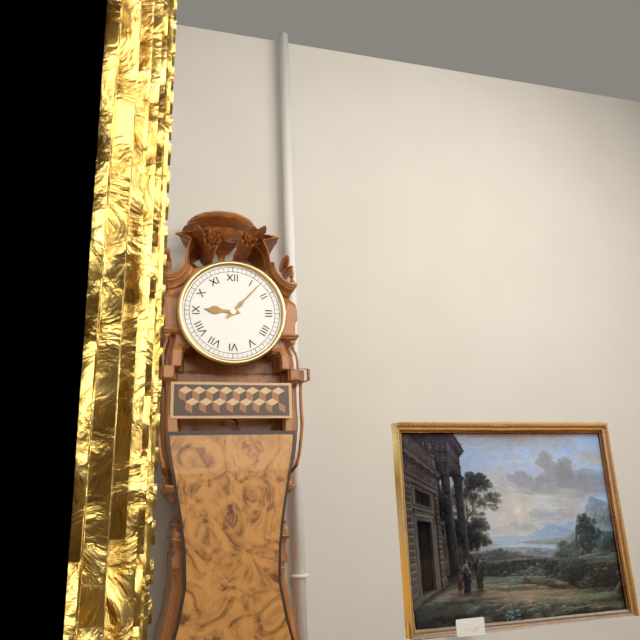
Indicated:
9,07
